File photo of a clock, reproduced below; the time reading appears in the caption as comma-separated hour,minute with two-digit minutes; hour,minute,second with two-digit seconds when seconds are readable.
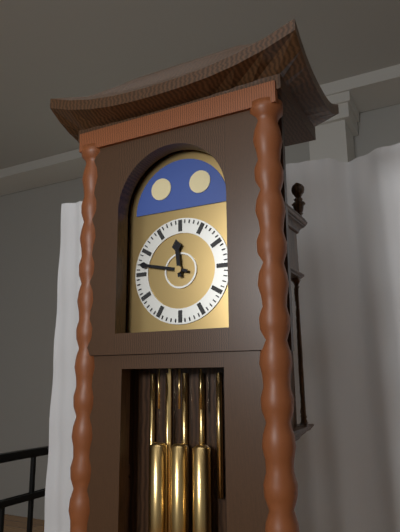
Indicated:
11,47
